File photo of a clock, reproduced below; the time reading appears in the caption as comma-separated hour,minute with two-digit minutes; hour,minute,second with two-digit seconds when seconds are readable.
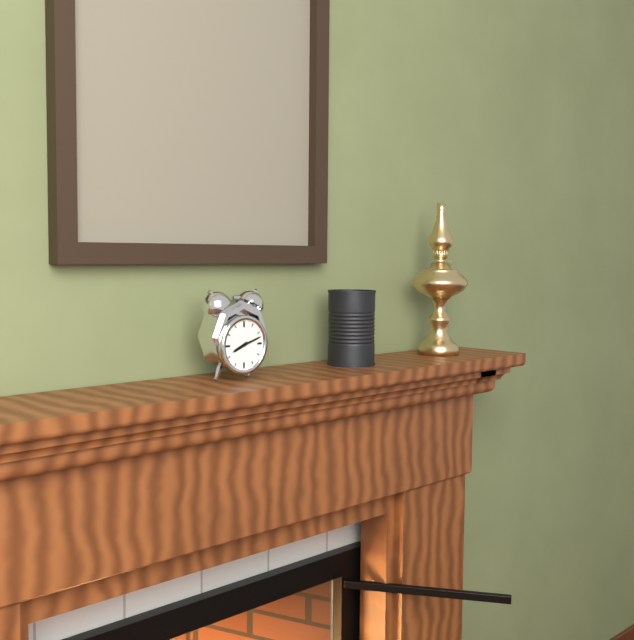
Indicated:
8,12
